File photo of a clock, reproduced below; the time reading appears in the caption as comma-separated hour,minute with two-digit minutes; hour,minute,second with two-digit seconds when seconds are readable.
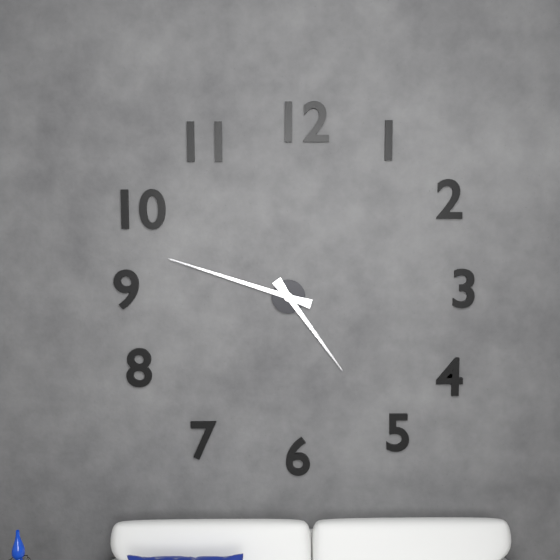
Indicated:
4,48
